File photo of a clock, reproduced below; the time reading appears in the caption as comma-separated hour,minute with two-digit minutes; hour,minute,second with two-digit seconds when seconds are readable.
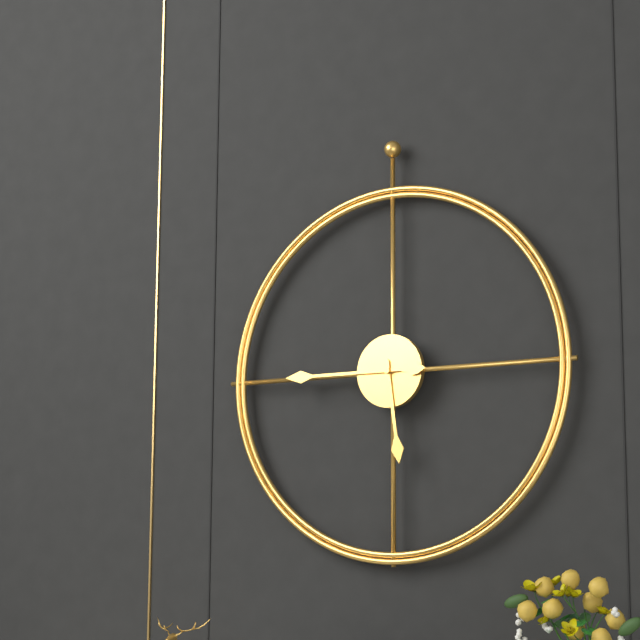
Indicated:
5,45
